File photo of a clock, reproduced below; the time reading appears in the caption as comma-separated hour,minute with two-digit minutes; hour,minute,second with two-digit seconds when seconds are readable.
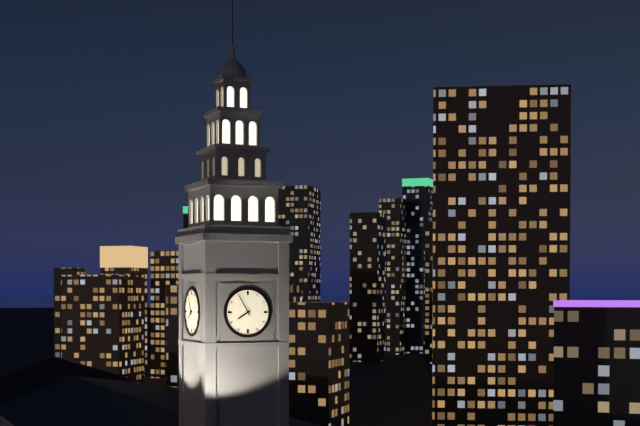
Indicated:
7,55
